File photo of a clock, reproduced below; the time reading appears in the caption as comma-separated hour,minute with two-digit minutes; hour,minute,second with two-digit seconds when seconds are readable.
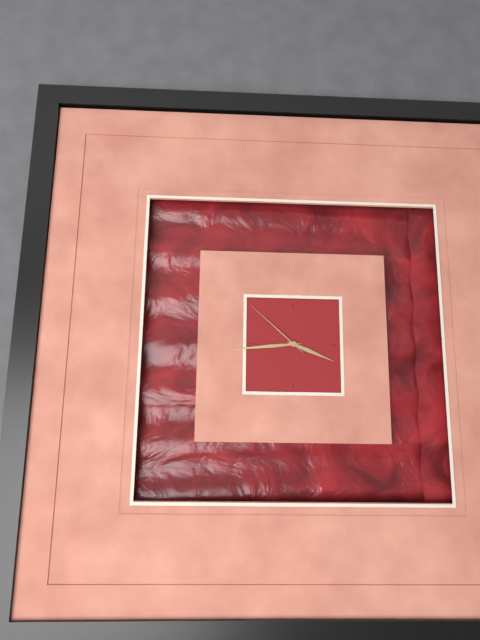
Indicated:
3,44,52
